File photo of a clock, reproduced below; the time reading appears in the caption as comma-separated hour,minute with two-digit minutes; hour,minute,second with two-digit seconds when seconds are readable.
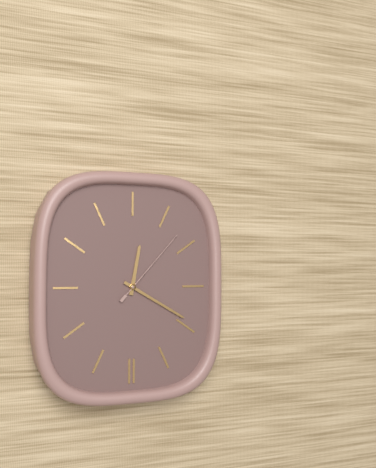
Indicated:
12,20,07
